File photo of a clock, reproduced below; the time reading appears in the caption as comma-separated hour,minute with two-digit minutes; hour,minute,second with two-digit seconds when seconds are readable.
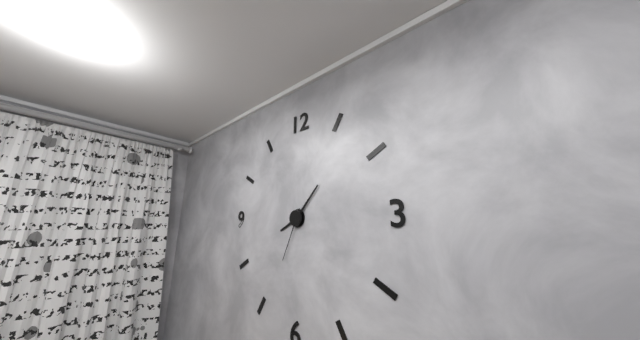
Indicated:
8,07,34
